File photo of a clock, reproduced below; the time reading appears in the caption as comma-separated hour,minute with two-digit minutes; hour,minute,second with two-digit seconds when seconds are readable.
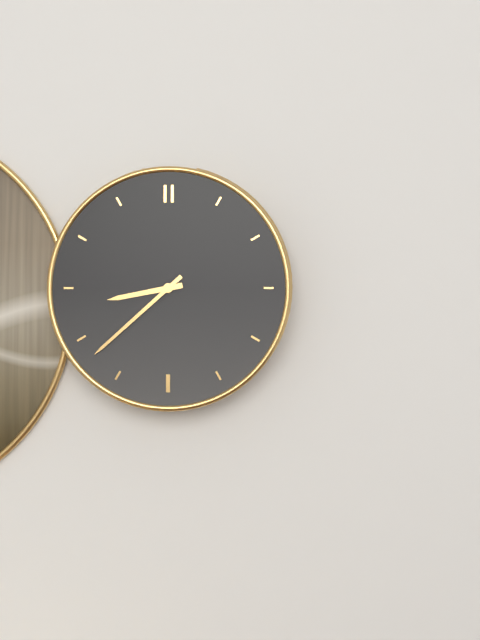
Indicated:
8,38
